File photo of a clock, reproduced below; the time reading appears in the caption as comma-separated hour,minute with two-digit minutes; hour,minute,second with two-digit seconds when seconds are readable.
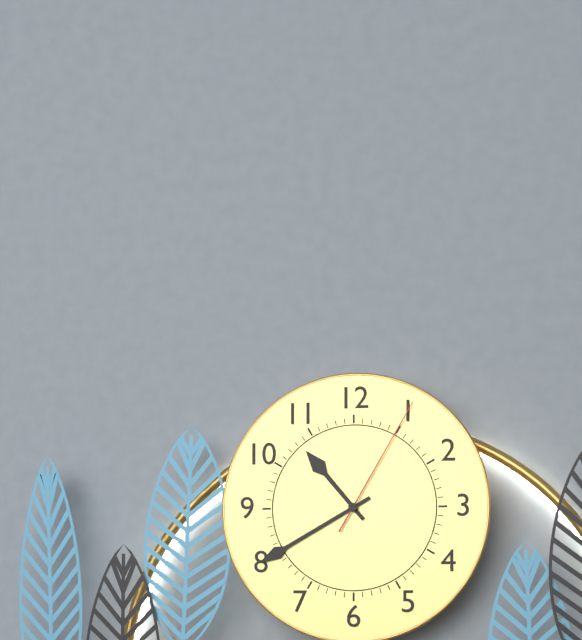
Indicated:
10,40,05
